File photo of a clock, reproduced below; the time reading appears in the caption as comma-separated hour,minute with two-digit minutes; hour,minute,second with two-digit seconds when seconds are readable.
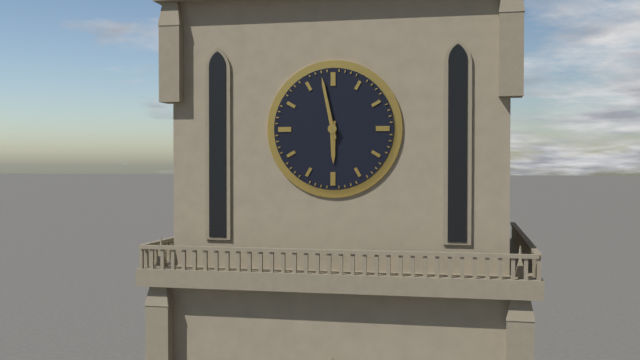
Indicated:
5,58
